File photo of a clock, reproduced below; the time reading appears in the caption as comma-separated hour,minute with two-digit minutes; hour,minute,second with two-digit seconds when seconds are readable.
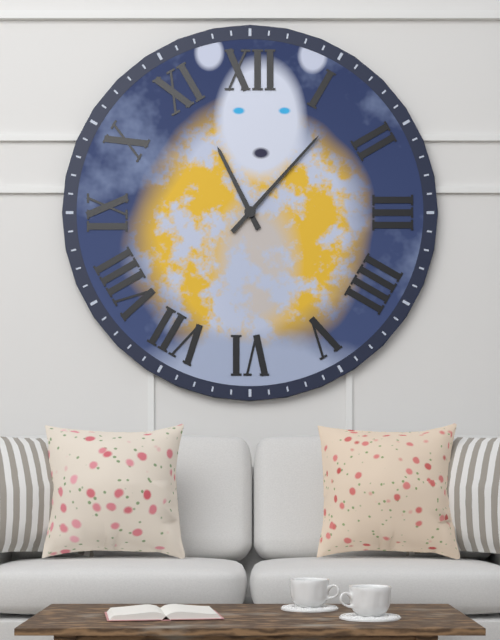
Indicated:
11,07
